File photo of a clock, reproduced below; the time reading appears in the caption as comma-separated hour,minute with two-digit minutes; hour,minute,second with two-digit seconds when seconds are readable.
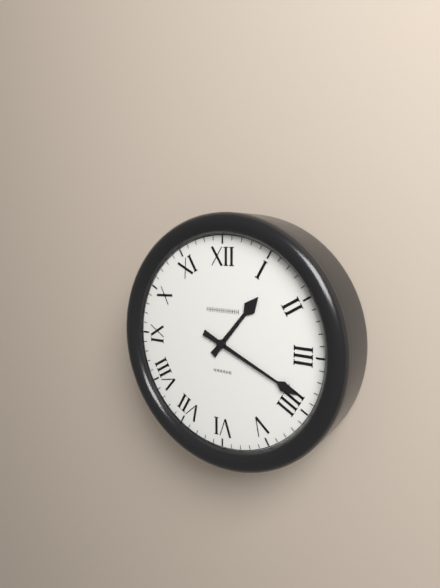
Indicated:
1,19
